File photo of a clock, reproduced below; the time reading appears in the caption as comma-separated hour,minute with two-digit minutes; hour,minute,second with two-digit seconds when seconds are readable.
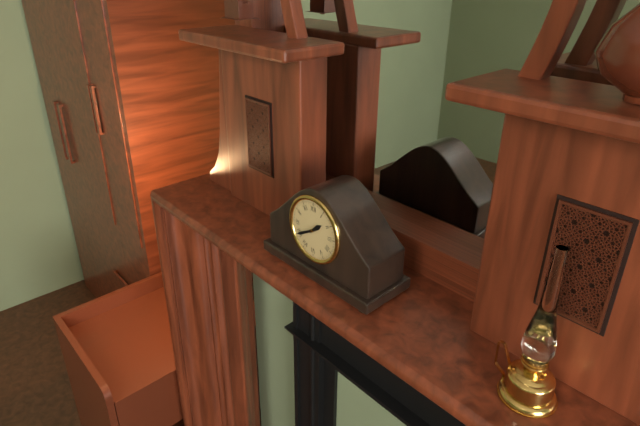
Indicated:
1,40
